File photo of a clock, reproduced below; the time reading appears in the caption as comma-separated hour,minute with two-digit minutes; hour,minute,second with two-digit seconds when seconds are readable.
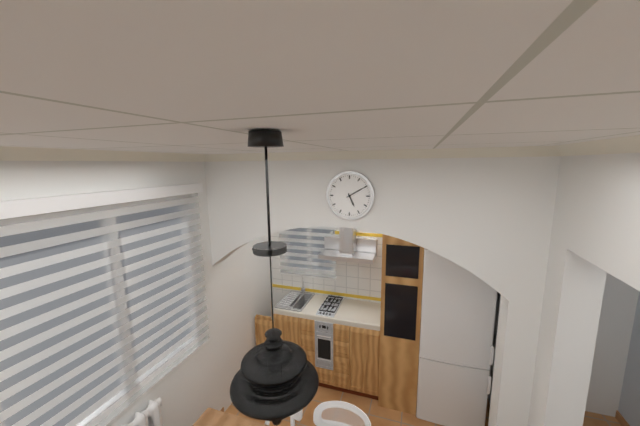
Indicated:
5,10
